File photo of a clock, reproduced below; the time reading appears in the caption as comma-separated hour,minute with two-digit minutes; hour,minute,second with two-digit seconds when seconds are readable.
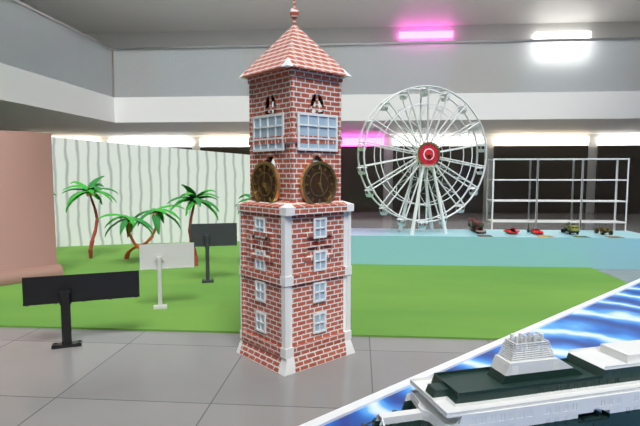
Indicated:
5,01
